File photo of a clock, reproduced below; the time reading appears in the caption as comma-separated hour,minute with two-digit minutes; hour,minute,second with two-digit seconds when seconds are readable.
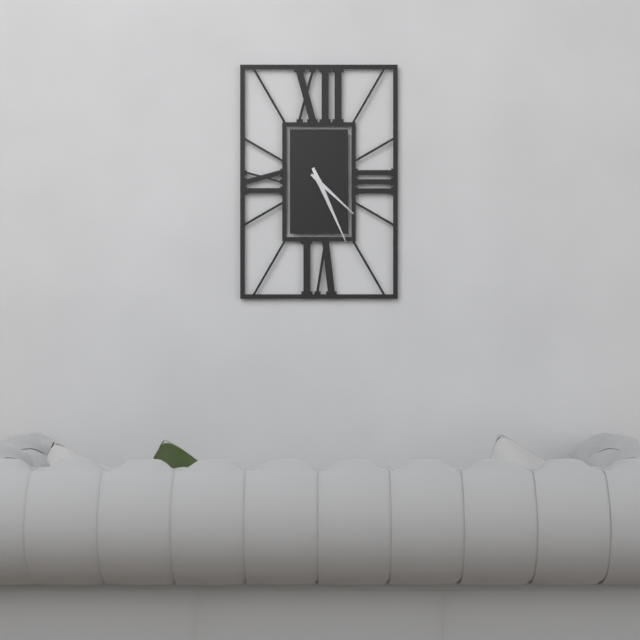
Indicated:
4,26
